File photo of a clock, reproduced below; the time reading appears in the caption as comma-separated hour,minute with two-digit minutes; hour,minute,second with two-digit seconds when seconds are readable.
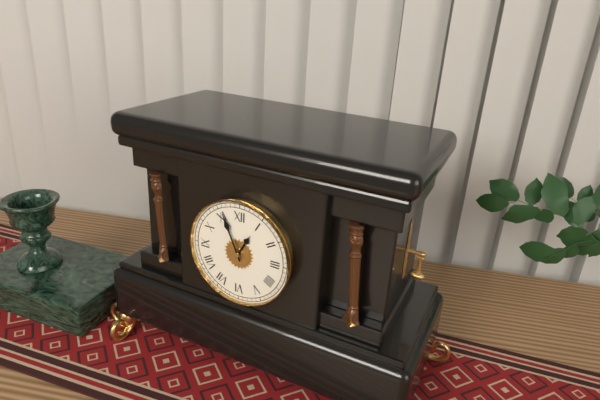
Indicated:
12,56
